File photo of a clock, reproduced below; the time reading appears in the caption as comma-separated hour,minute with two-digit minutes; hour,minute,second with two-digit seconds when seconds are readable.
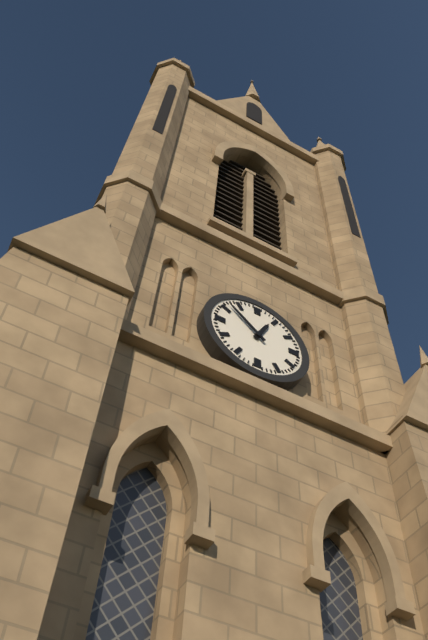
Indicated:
12,52
